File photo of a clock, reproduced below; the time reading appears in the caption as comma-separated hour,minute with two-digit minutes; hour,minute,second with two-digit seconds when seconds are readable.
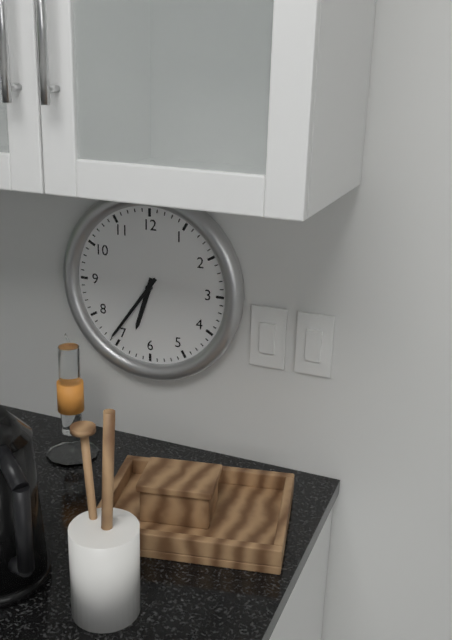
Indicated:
6,36
